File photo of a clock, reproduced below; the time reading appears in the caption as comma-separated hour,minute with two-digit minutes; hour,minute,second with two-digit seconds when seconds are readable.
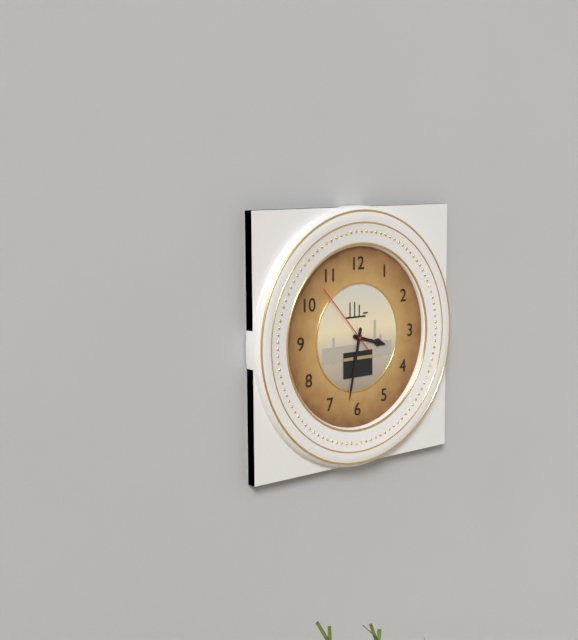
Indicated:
3,32,53
